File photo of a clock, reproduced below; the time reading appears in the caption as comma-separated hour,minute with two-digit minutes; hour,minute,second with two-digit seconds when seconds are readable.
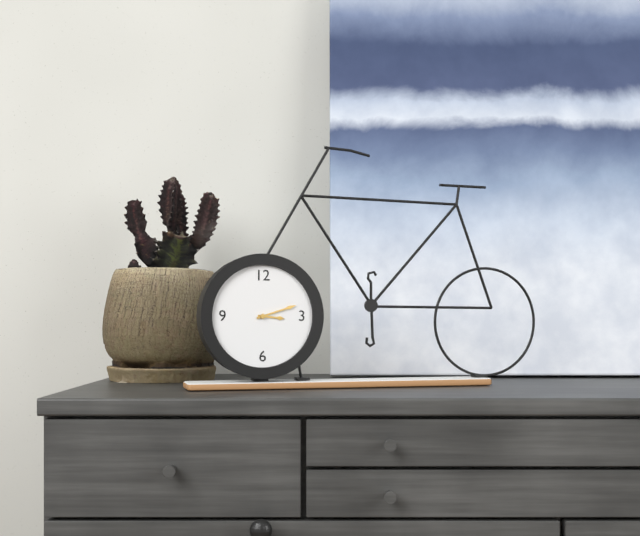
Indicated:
3,12
